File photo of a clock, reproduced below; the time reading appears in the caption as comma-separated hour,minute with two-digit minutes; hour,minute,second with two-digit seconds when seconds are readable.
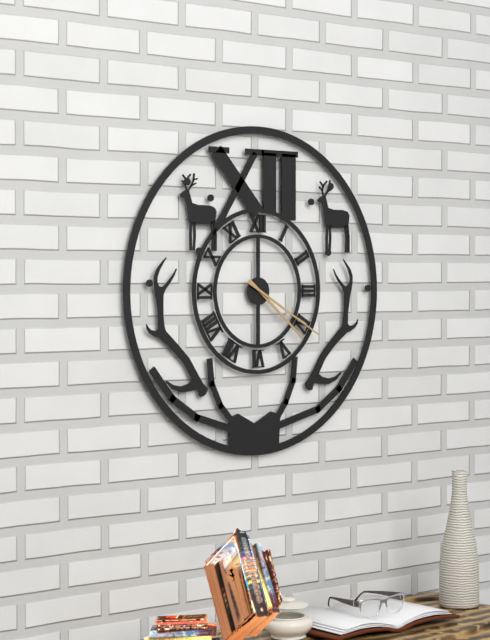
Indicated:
4,20
